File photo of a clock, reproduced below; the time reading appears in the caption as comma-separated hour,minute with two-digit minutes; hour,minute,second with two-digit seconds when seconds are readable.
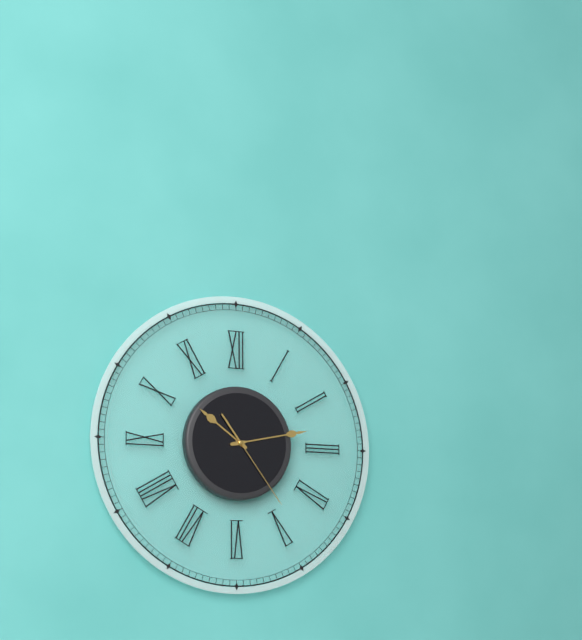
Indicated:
10,13,24
